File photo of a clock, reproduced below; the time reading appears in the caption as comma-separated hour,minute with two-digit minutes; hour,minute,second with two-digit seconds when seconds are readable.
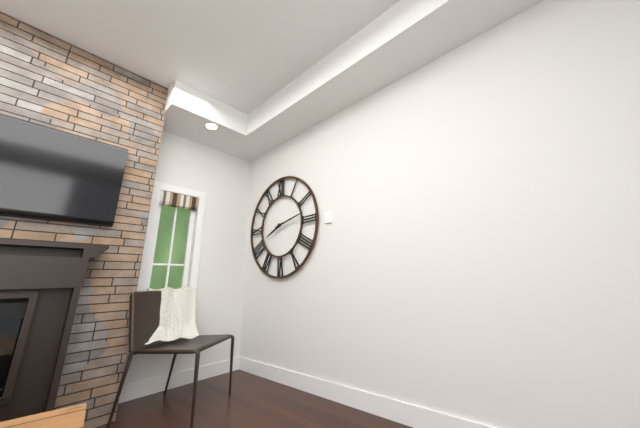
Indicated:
8,13
